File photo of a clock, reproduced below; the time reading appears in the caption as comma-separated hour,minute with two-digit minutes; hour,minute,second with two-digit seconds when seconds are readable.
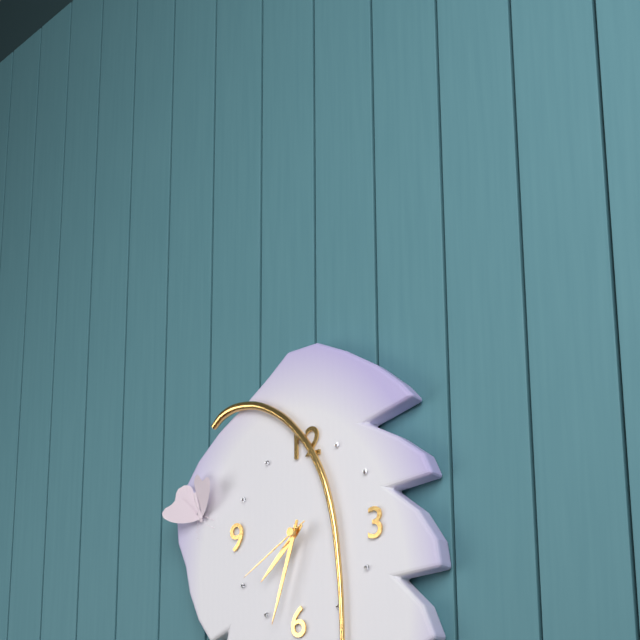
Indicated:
7,33,40
